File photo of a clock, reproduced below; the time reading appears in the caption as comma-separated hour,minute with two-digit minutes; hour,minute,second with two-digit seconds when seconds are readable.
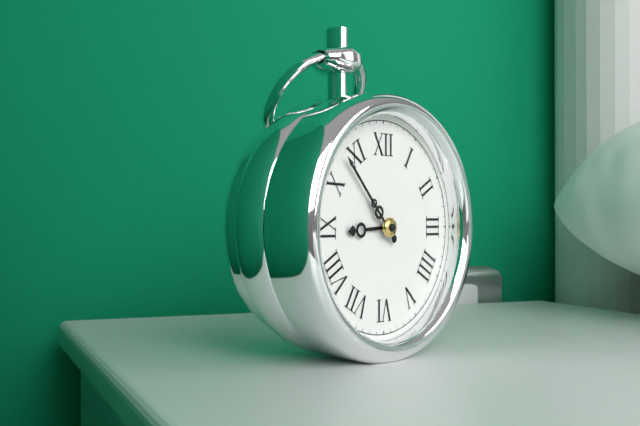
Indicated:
8,53
